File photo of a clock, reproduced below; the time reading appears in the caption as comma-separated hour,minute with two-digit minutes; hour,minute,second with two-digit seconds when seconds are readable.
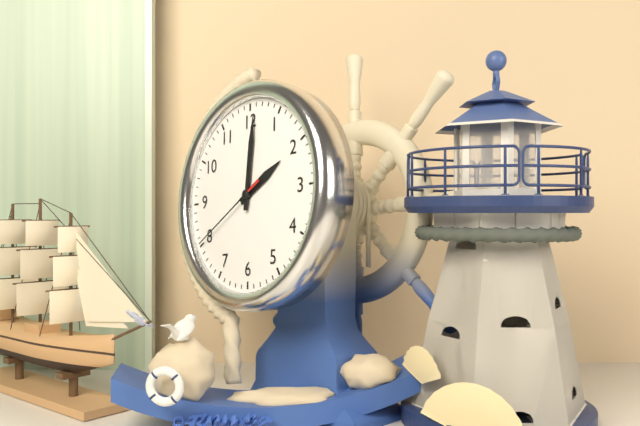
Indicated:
2,01,40
